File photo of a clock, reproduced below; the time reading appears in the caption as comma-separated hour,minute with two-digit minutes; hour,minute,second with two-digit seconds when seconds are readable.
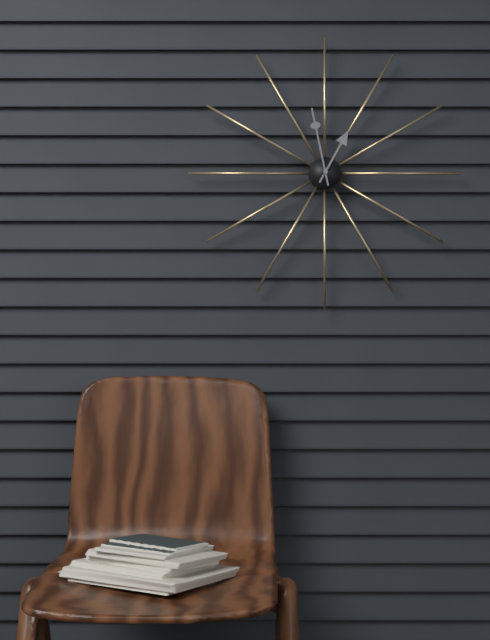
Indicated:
12,58
